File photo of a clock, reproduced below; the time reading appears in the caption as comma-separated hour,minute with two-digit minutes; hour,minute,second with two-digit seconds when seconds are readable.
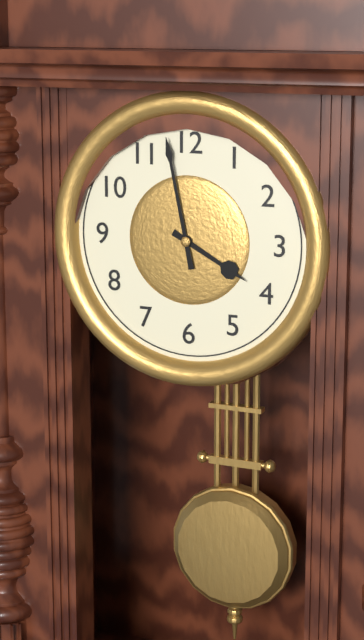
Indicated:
3,58
